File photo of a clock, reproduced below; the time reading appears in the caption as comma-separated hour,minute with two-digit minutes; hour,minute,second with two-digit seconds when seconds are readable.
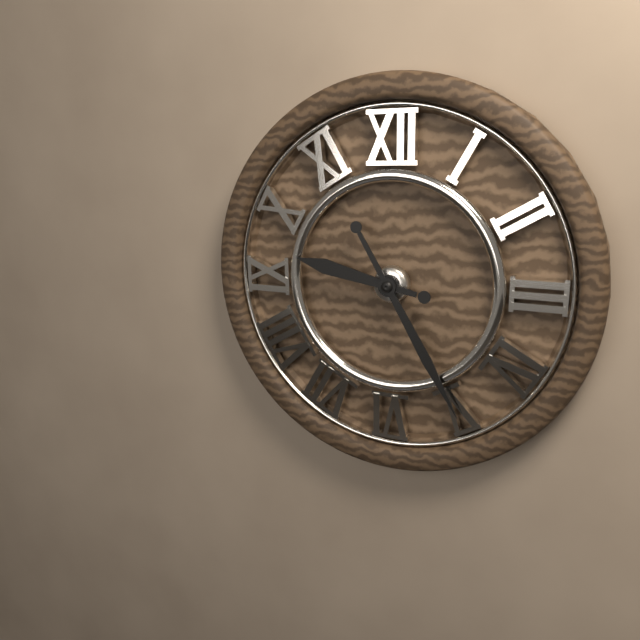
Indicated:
9,25
